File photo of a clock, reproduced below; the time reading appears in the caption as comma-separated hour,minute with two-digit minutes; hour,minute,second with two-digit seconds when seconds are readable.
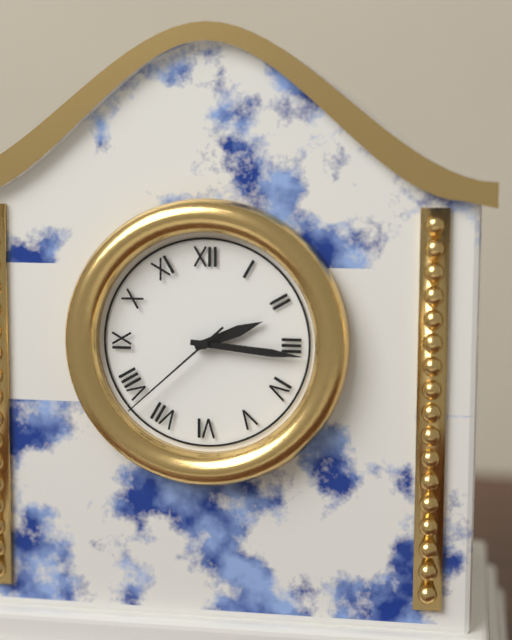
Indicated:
2,16,38
